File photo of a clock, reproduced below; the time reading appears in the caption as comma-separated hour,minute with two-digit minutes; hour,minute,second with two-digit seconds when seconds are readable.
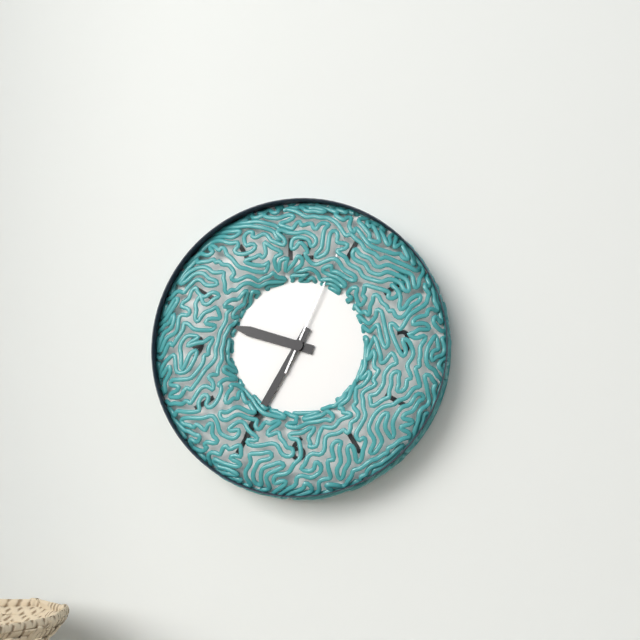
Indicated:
9,35
